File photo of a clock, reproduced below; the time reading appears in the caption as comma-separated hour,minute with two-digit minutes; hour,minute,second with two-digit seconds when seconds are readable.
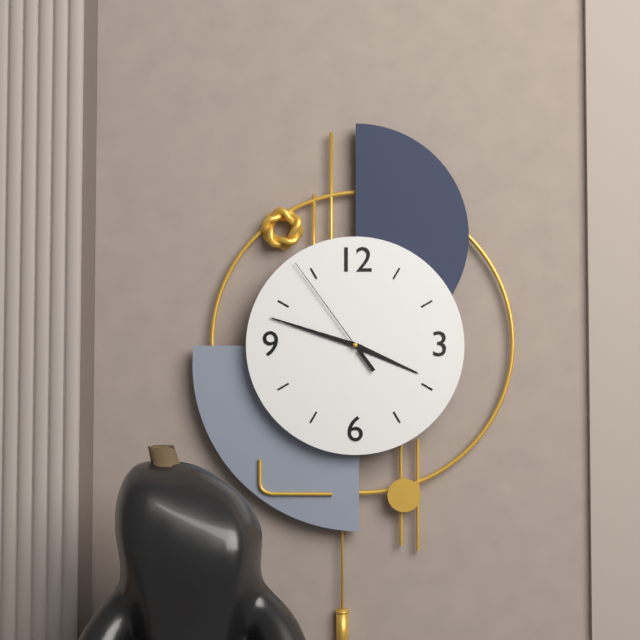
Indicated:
3,48,54
